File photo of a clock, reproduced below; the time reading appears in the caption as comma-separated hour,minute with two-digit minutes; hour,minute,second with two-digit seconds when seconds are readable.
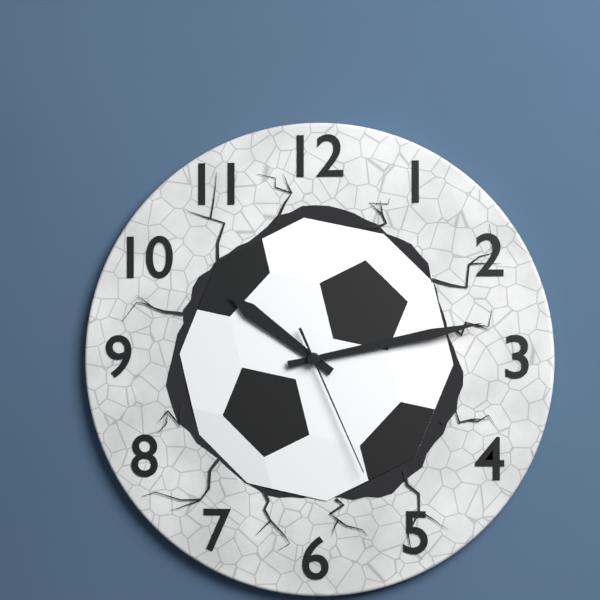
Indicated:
10,13,26
